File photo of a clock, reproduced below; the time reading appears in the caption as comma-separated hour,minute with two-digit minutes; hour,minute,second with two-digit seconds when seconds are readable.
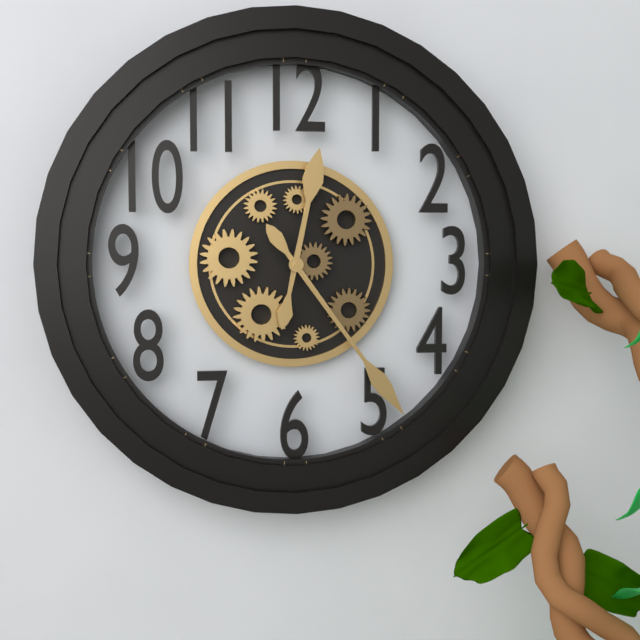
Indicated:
12,24
